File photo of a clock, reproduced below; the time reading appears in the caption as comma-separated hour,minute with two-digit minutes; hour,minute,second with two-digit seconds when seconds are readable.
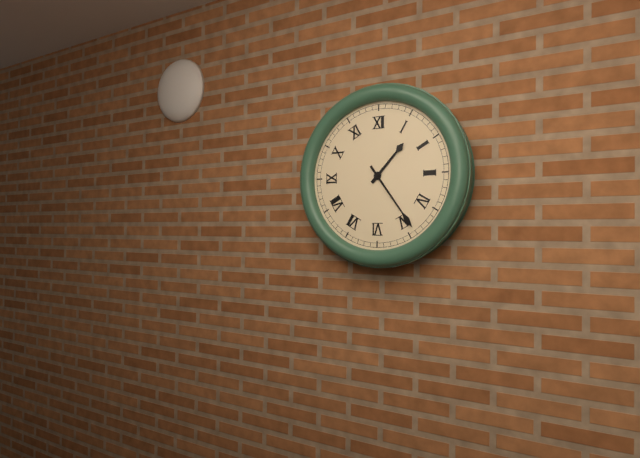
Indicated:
1,24
